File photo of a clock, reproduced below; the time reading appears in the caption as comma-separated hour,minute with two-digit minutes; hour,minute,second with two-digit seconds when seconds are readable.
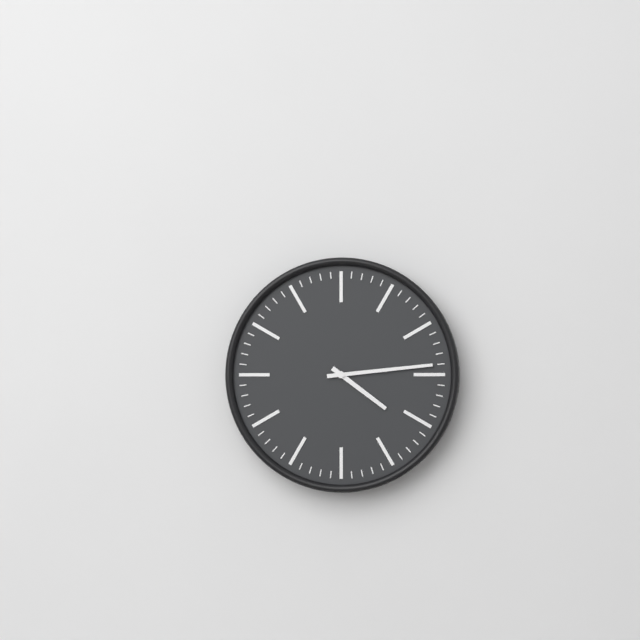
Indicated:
4,14
